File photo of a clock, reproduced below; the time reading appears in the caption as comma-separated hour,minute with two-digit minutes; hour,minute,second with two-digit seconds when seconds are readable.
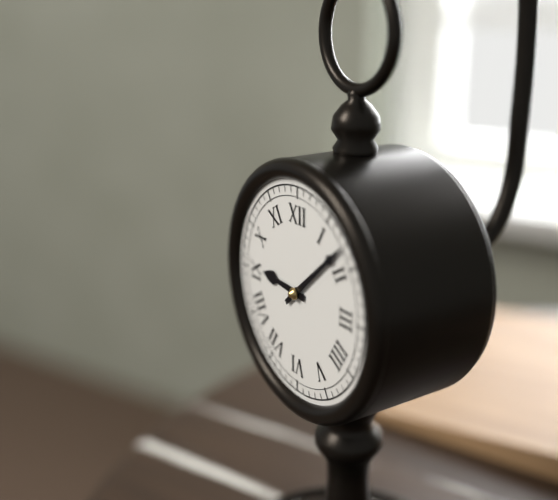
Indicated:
9,08
